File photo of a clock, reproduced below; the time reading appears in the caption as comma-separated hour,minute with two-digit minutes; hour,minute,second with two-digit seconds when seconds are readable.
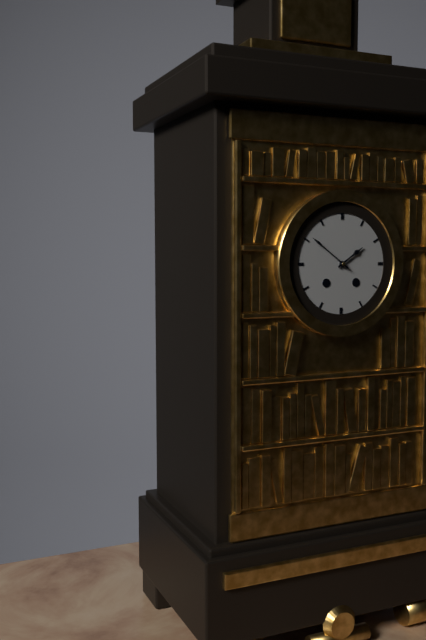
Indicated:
1,51
